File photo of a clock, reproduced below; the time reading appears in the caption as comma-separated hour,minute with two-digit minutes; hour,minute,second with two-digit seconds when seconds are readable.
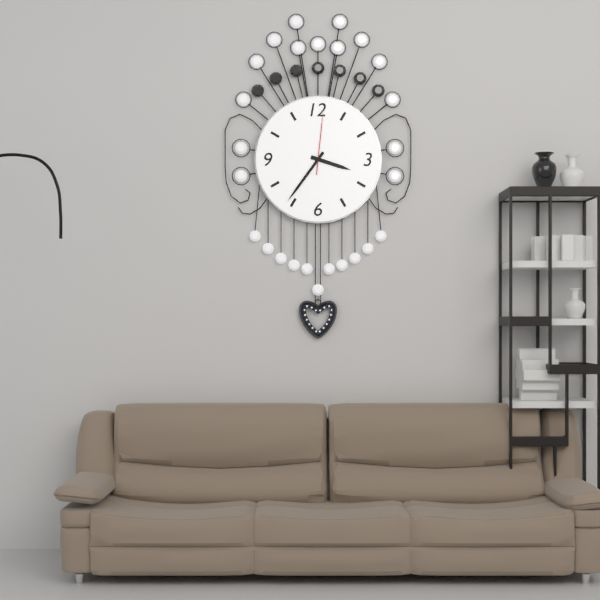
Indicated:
3,36,01
